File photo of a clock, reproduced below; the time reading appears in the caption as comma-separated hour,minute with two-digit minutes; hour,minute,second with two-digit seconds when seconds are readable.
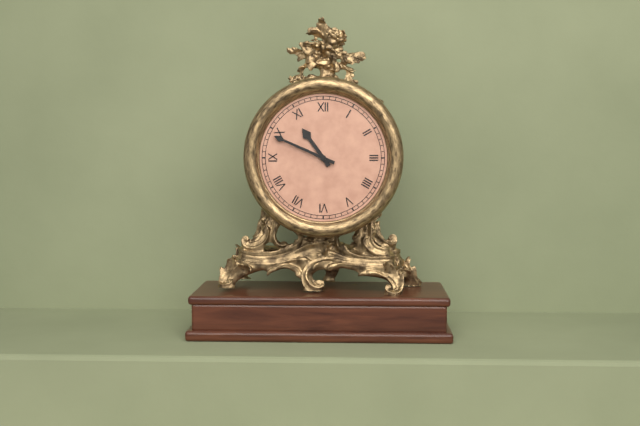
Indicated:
10,49
